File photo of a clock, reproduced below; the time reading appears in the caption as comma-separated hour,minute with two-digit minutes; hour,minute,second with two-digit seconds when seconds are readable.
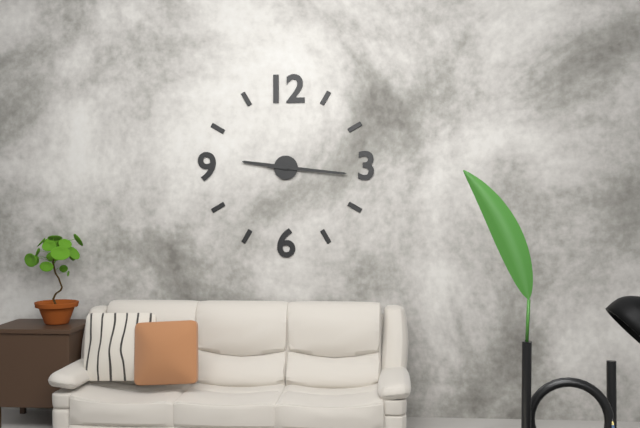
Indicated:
9,16
